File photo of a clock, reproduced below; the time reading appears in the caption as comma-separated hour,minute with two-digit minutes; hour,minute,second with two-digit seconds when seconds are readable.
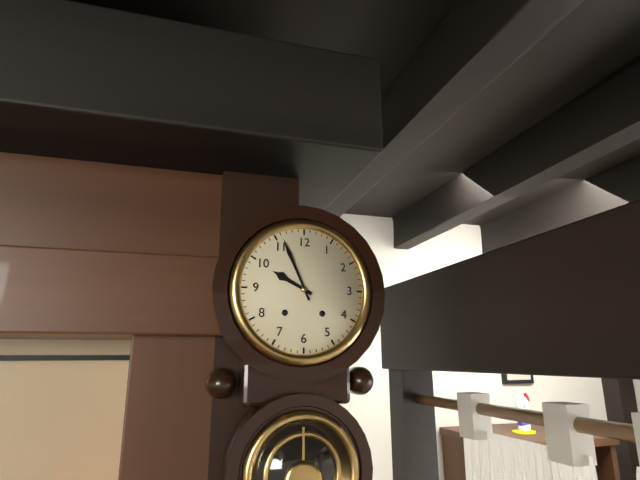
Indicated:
9,56
